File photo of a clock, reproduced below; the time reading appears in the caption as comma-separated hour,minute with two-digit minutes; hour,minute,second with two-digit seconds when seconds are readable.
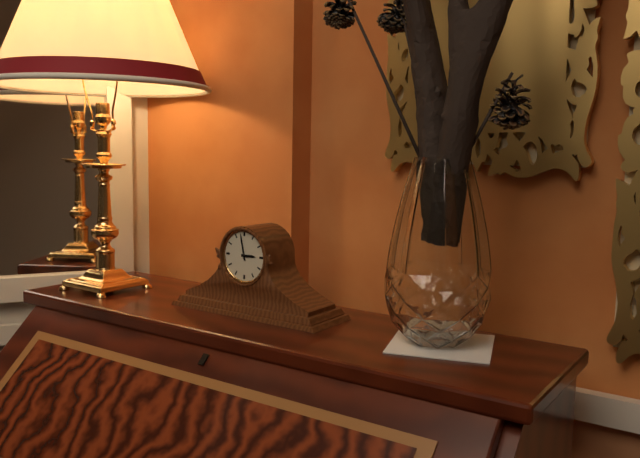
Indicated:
2,58
